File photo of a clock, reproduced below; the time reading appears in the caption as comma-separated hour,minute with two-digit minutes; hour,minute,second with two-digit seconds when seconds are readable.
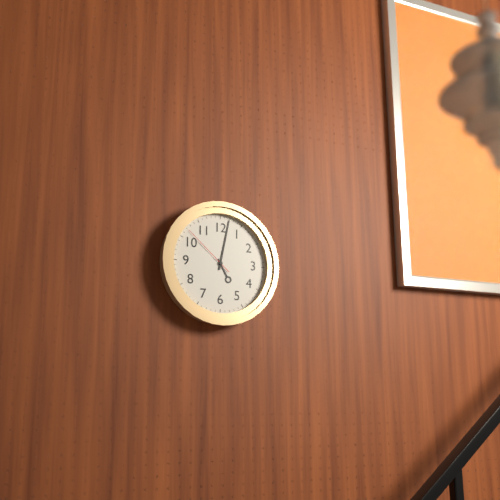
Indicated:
5,02,52
